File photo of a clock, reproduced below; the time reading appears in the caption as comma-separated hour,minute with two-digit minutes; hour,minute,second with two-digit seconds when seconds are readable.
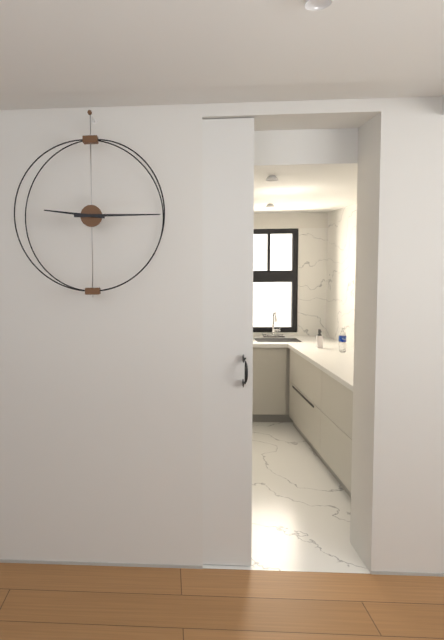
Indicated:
9,15
